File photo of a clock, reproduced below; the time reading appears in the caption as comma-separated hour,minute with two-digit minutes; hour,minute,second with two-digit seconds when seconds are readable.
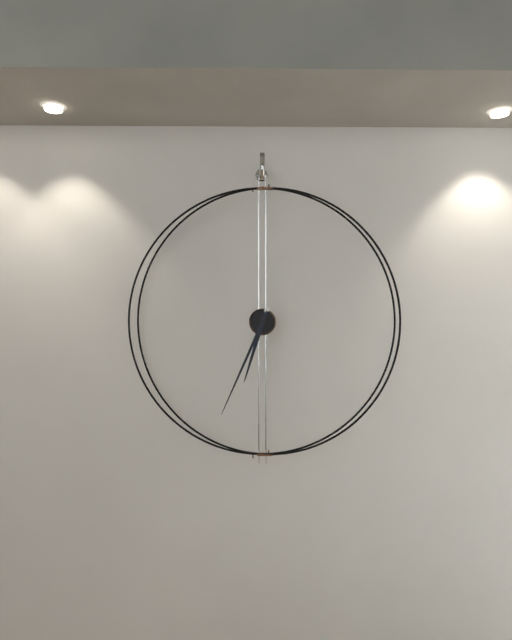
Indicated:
6,34
